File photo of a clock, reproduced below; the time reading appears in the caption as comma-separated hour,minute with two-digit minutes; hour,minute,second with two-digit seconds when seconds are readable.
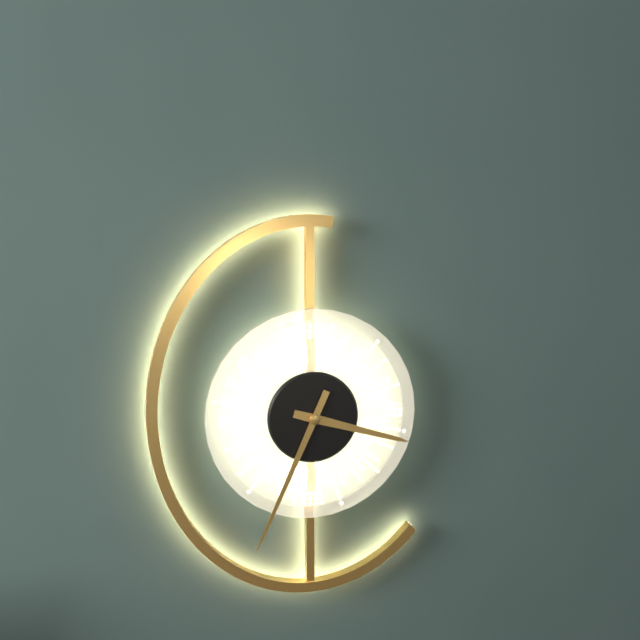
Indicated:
3,34
